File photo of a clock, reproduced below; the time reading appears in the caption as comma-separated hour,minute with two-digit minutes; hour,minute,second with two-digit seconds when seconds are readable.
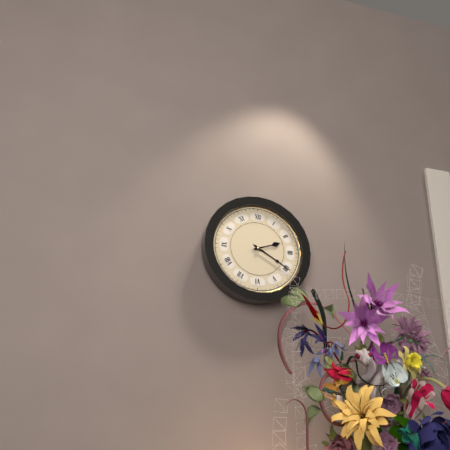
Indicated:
2,20
